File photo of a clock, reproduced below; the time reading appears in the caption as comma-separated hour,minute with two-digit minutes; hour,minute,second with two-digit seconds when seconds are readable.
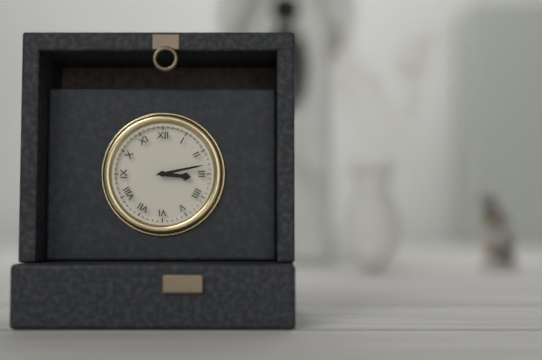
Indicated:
3,13
